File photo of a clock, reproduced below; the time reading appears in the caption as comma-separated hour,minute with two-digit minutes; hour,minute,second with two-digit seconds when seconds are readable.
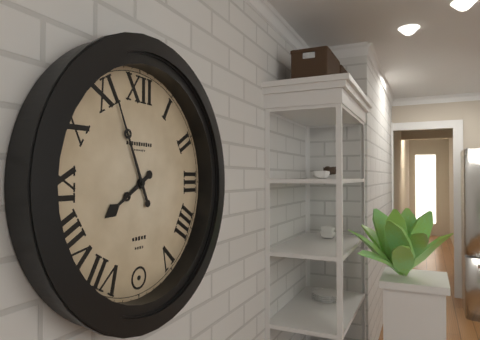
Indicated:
7,56
